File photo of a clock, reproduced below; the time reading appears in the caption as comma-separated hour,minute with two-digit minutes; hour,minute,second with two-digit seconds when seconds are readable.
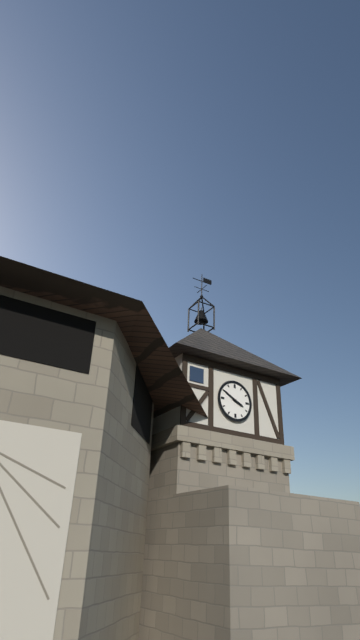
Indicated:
3,50
